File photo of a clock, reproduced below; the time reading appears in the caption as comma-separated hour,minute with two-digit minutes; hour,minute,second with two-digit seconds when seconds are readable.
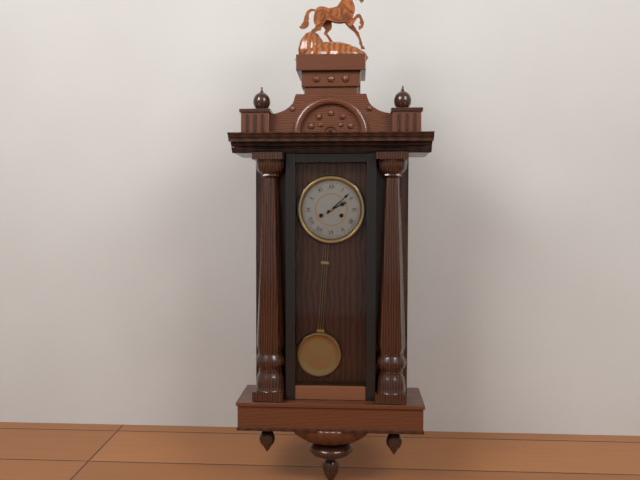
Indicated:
2,08
